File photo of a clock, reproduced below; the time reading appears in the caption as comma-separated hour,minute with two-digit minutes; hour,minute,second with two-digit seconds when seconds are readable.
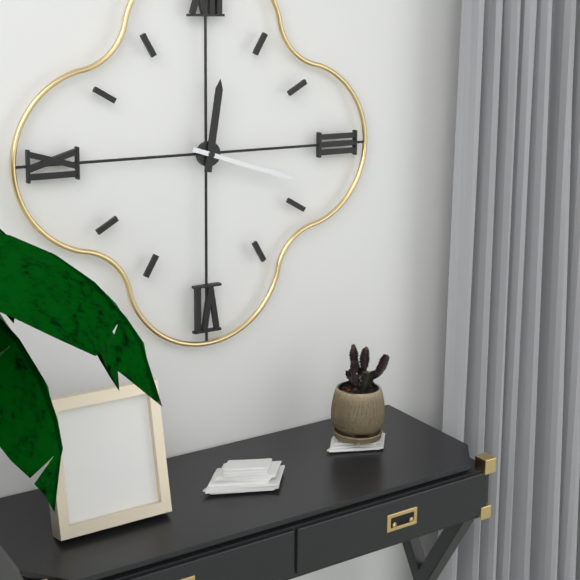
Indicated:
12,18
